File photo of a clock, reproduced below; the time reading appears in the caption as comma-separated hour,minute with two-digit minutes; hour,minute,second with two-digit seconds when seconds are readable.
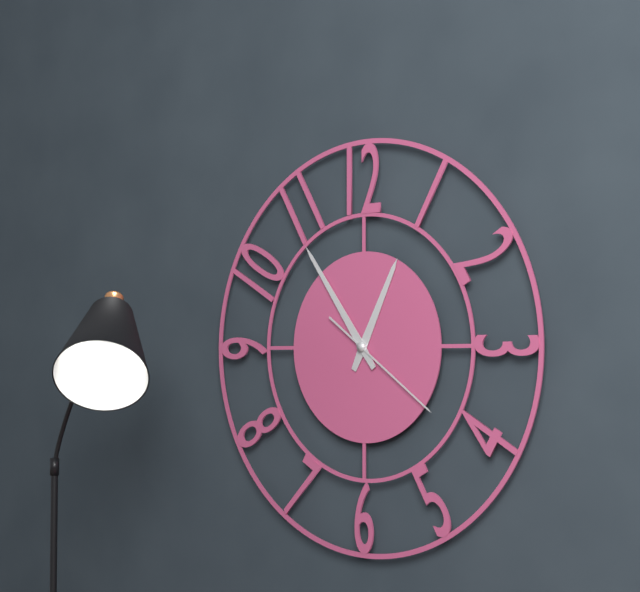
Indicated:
12,54,21
